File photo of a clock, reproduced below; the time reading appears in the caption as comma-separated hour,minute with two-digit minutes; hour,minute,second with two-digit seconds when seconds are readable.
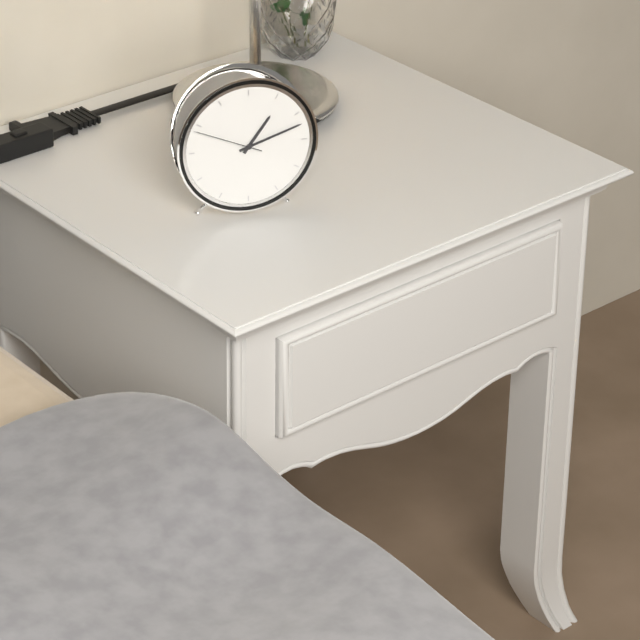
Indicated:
1,12,49
